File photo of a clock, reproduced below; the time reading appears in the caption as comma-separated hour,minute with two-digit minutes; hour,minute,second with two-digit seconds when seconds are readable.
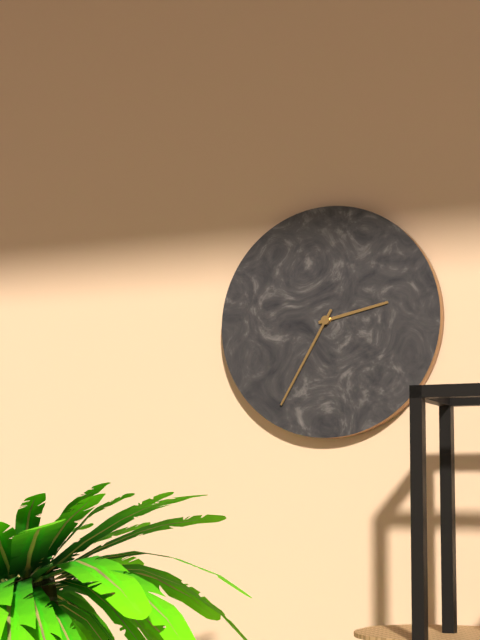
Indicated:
2,35
